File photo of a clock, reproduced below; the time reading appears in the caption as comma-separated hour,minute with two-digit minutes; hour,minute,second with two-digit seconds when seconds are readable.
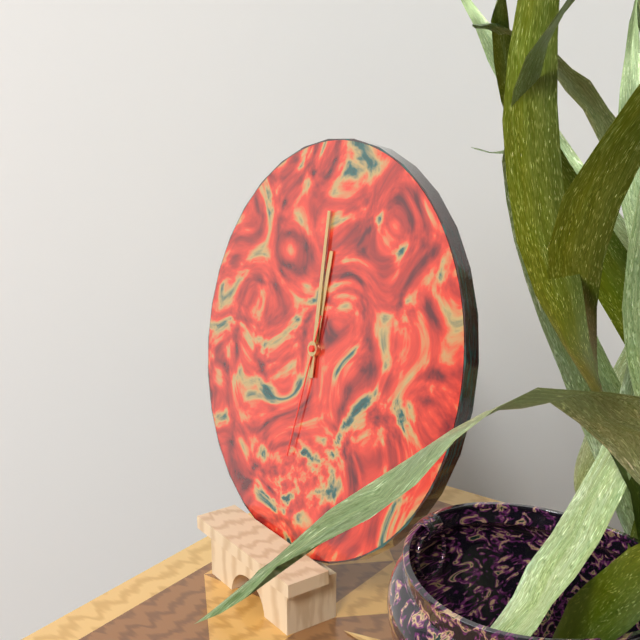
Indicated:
11,59,31
